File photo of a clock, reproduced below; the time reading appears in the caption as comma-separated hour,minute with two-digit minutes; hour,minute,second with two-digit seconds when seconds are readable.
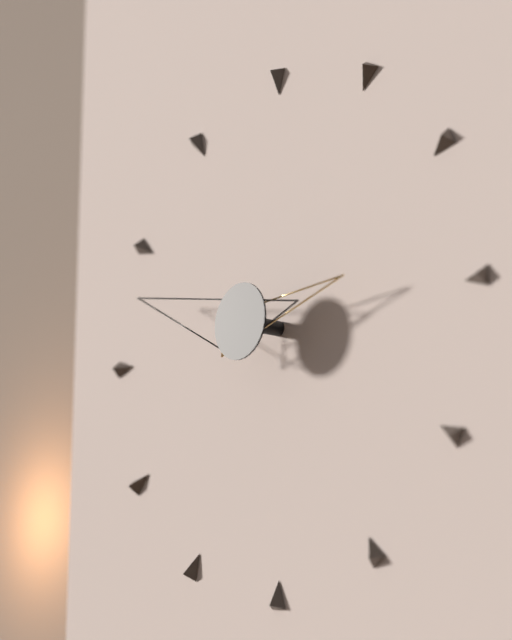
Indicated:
2,48
